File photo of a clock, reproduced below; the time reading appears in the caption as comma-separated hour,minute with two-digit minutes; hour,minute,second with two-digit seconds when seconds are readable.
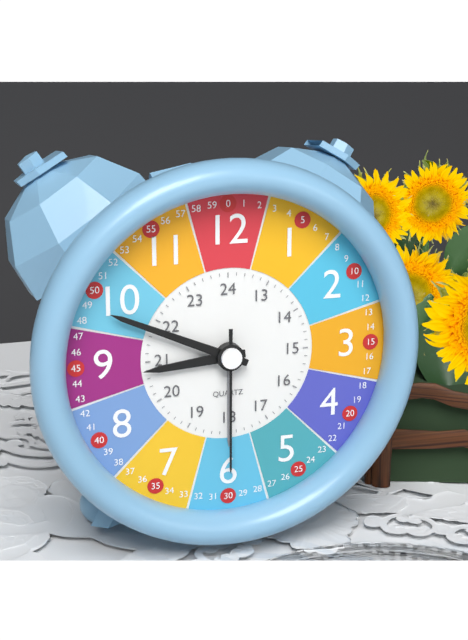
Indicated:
8,49,30
